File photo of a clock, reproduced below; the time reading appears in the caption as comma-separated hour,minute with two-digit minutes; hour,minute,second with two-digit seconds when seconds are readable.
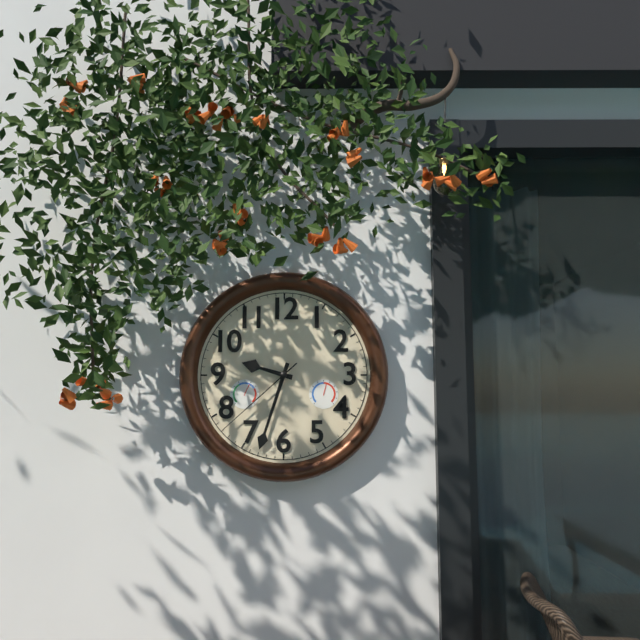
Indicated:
9,33,38
